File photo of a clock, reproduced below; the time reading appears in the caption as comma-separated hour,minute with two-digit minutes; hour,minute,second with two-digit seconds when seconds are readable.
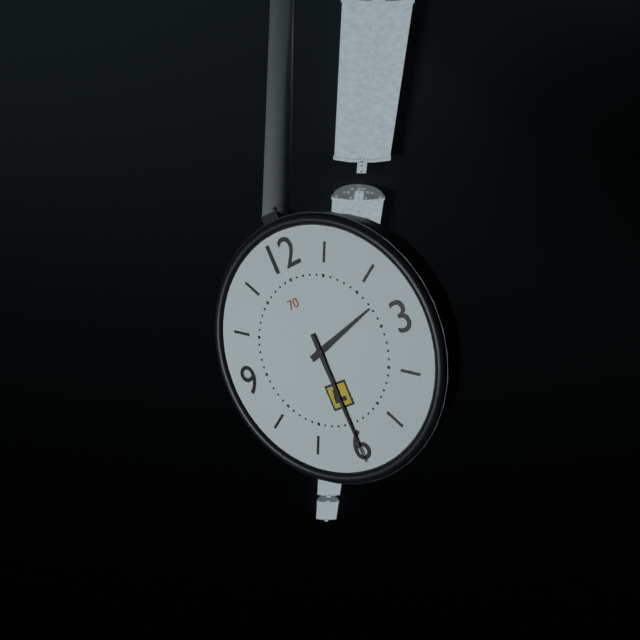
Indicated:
2,30
